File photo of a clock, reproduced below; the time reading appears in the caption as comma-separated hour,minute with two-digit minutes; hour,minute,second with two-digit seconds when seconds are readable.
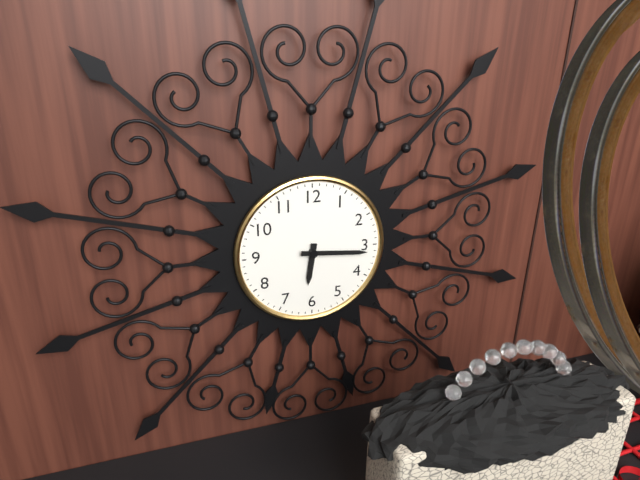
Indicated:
6,16
